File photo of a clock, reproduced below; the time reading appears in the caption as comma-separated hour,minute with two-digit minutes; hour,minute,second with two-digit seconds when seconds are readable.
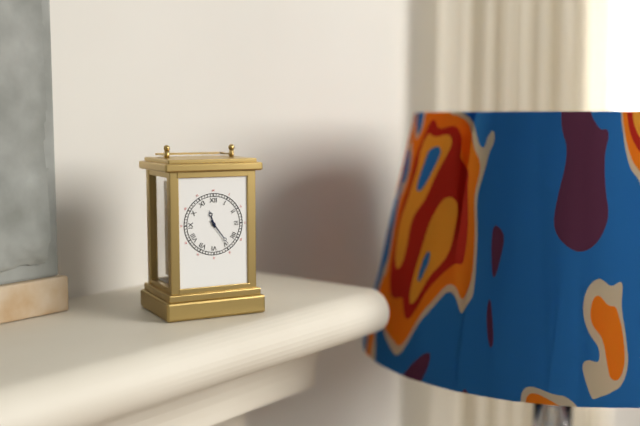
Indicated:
11,24
